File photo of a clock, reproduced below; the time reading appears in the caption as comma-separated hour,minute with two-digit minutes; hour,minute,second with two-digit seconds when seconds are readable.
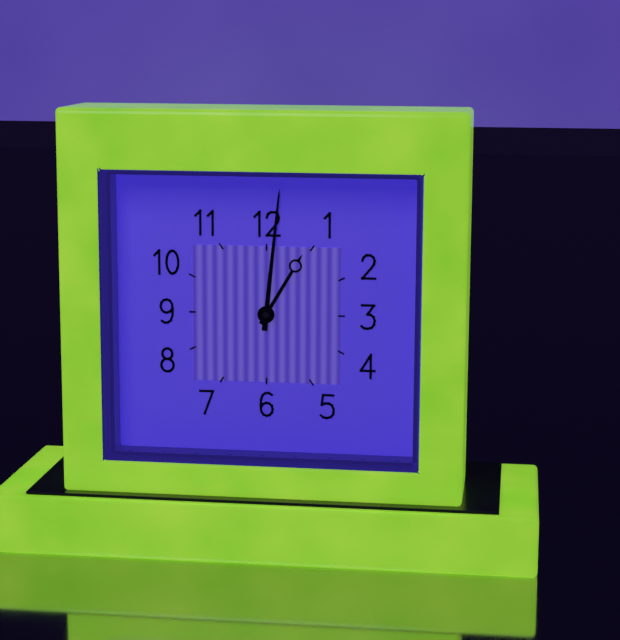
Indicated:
1,01
